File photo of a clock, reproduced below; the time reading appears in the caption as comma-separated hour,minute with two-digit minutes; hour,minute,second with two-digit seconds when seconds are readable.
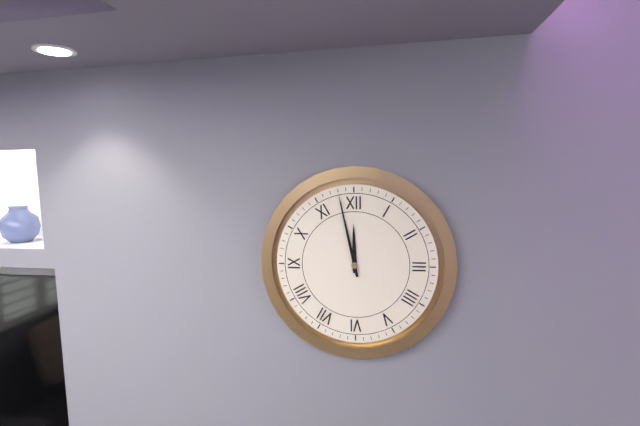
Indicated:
11,58
